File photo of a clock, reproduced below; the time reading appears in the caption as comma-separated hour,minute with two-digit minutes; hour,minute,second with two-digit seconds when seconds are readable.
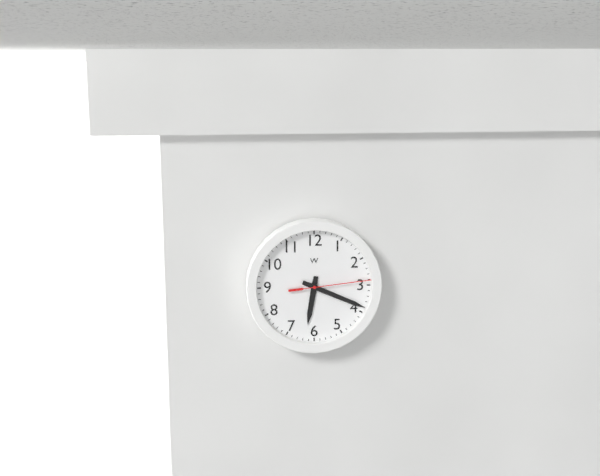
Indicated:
6,19,14
